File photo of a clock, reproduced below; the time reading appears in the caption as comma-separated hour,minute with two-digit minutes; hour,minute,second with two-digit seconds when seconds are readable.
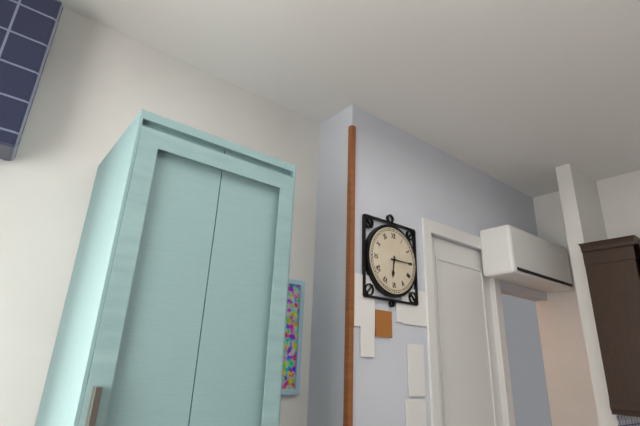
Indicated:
6,15
